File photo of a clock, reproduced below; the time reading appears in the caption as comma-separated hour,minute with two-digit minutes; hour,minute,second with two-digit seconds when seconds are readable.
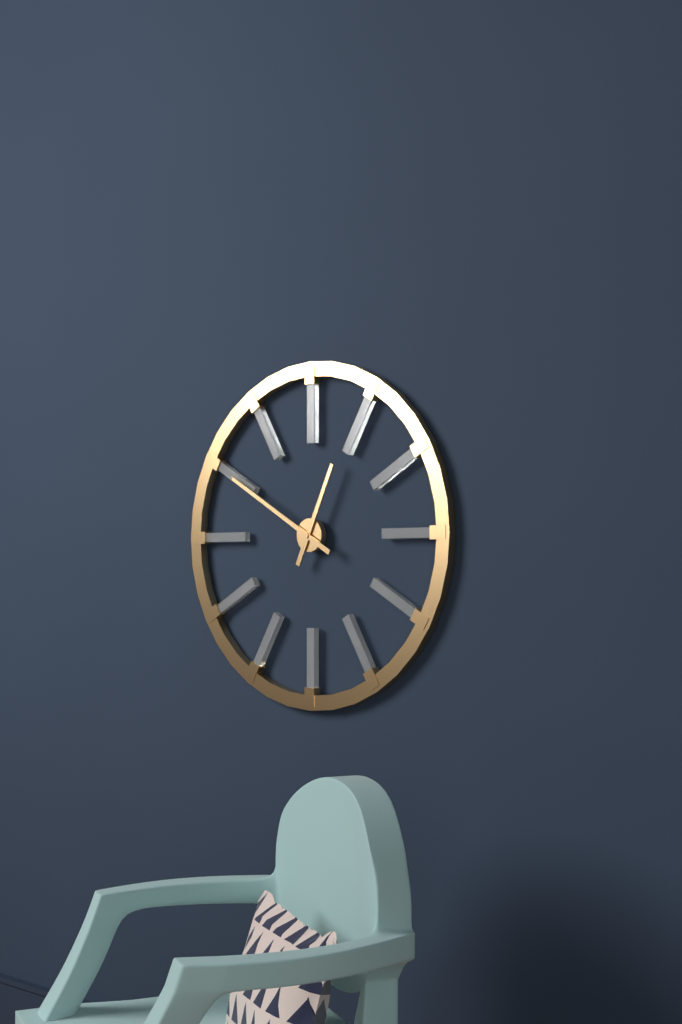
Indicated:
12,50
